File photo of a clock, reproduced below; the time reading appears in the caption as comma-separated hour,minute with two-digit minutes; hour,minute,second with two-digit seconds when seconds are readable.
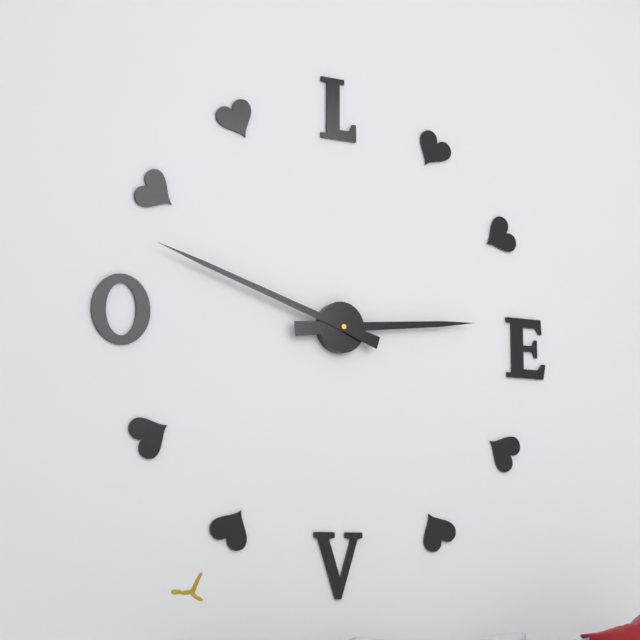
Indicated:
2,48
